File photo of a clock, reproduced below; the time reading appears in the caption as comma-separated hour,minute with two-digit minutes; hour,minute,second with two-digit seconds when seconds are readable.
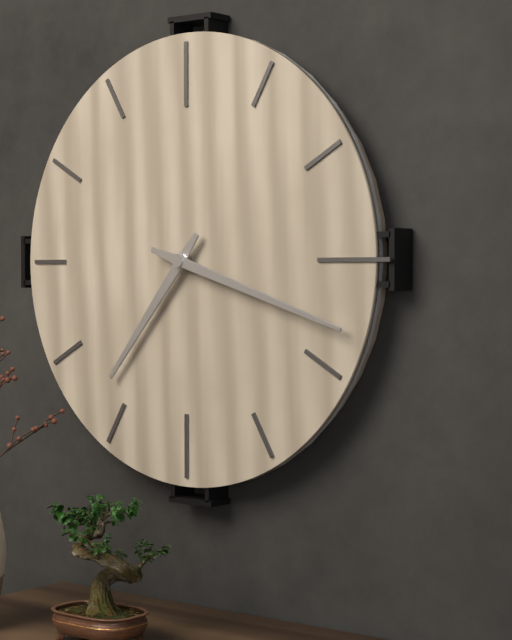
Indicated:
7,18
